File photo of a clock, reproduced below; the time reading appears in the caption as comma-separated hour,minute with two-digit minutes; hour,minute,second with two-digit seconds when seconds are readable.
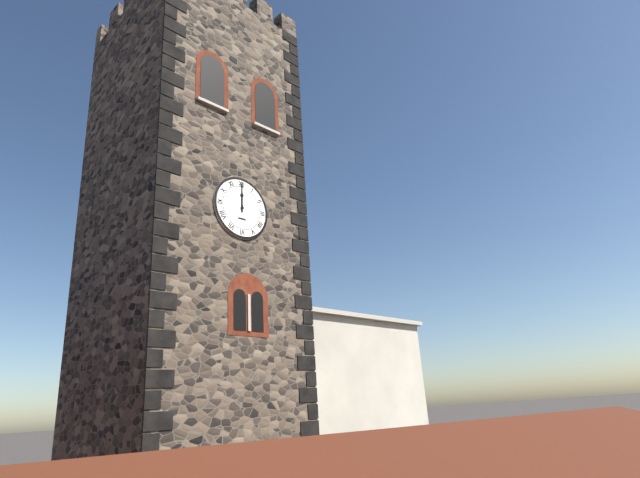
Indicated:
12,00
